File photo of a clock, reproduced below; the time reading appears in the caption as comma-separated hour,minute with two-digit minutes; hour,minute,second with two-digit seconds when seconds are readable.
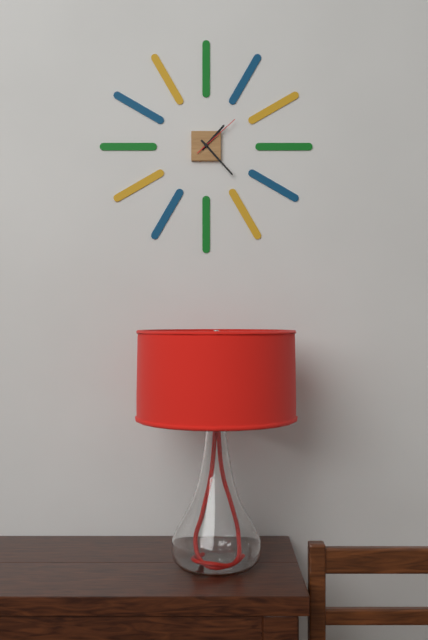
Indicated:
1,23,08
